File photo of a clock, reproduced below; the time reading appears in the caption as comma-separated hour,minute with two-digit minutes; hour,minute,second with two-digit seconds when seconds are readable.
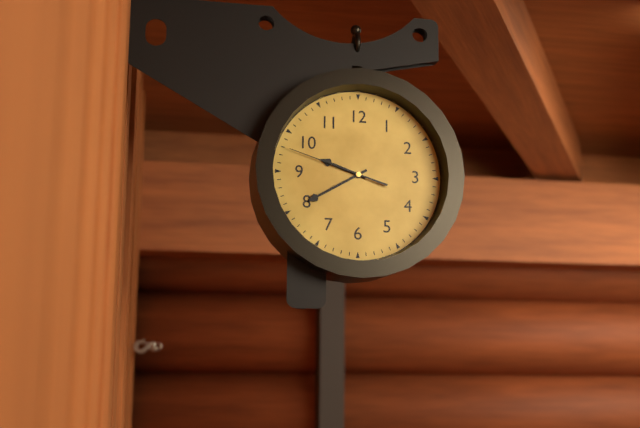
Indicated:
9,40,48
